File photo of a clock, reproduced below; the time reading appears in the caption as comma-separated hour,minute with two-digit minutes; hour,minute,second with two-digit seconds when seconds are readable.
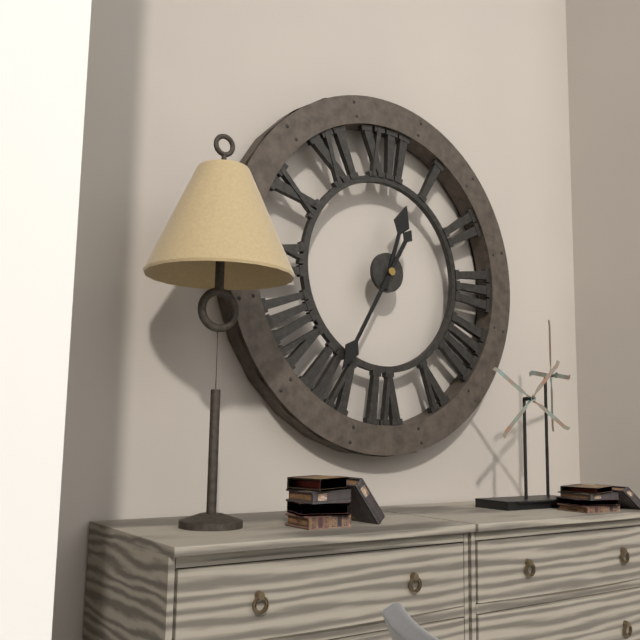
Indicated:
12,35
